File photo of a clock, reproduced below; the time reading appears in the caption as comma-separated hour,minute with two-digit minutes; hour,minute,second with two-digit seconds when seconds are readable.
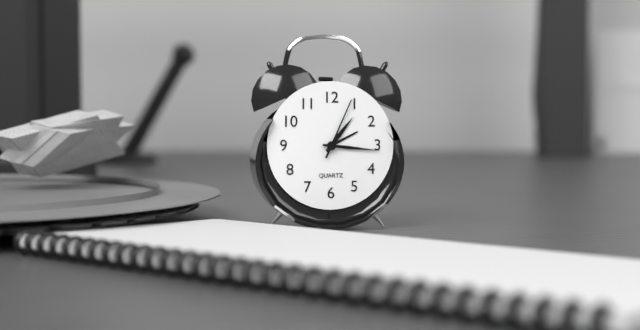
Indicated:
1,16,04
